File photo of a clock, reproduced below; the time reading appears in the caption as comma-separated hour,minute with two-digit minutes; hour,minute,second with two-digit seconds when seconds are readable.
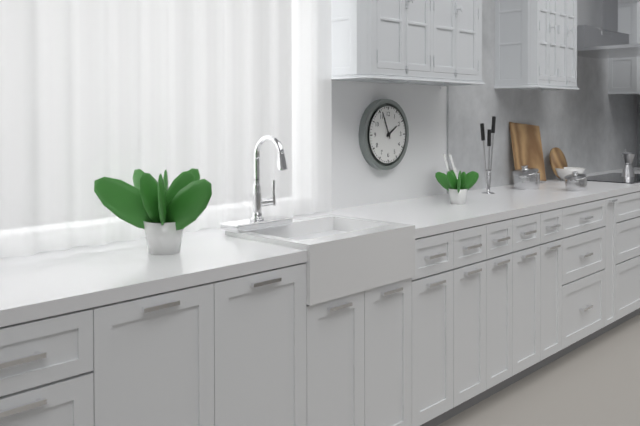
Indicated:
1,56
